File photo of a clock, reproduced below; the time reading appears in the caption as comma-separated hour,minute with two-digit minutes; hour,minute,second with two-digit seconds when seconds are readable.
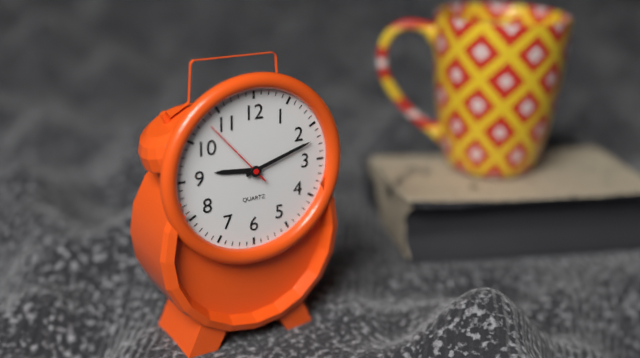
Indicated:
9,12,53
